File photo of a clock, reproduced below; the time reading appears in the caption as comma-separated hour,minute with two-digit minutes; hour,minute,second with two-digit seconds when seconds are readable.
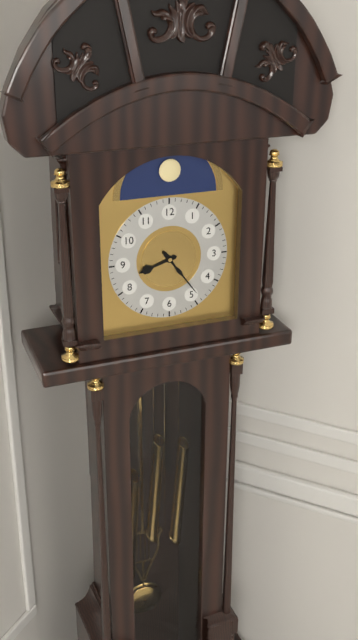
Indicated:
8,24
